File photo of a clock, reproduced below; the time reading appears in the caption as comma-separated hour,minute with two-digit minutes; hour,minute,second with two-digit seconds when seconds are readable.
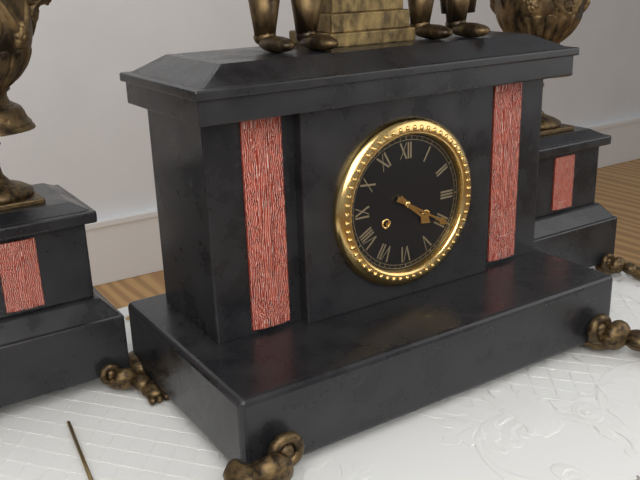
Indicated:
4,20
